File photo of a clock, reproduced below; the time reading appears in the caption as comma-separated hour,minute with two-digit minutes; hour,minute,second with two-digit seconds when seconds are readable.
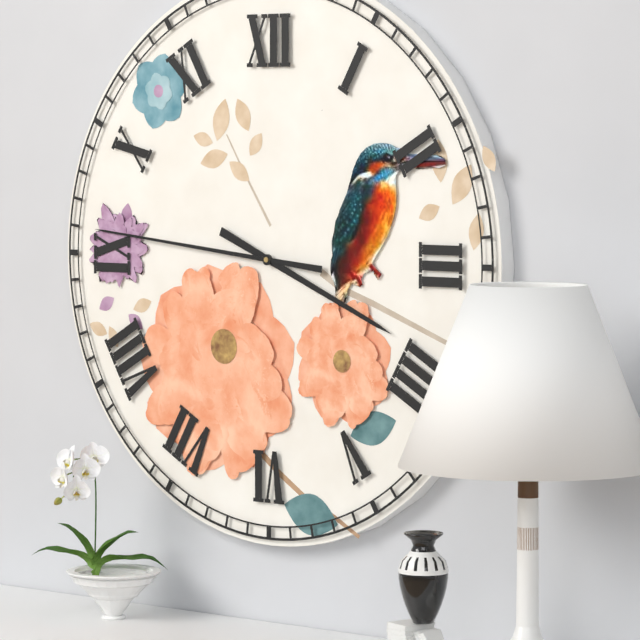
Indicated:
3,46
